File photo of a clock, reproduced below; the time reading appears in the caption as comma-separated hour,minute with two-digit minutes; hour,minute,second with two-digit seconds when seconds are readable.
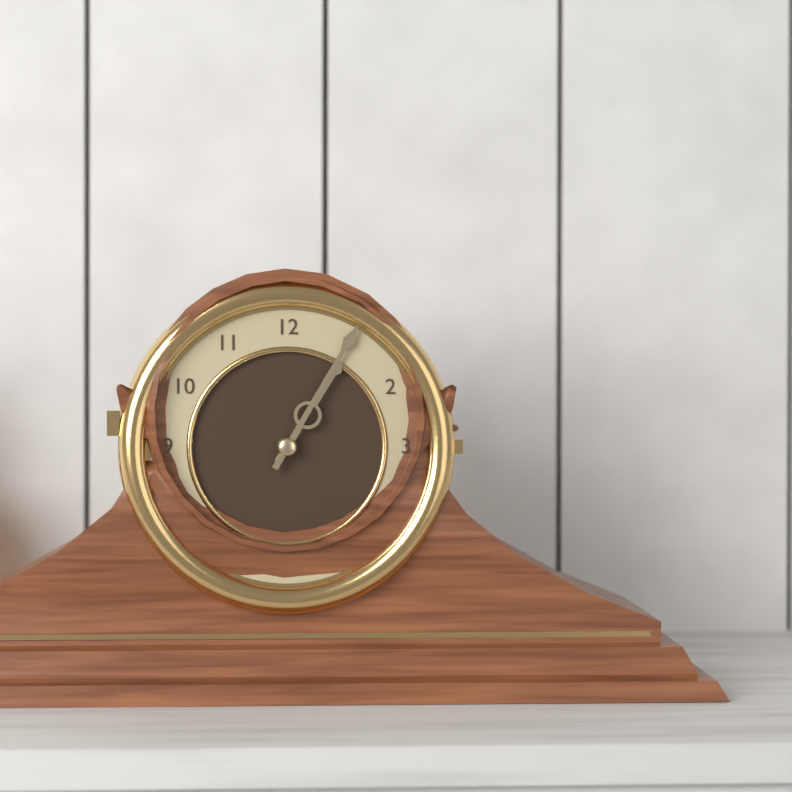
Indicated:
1,05
